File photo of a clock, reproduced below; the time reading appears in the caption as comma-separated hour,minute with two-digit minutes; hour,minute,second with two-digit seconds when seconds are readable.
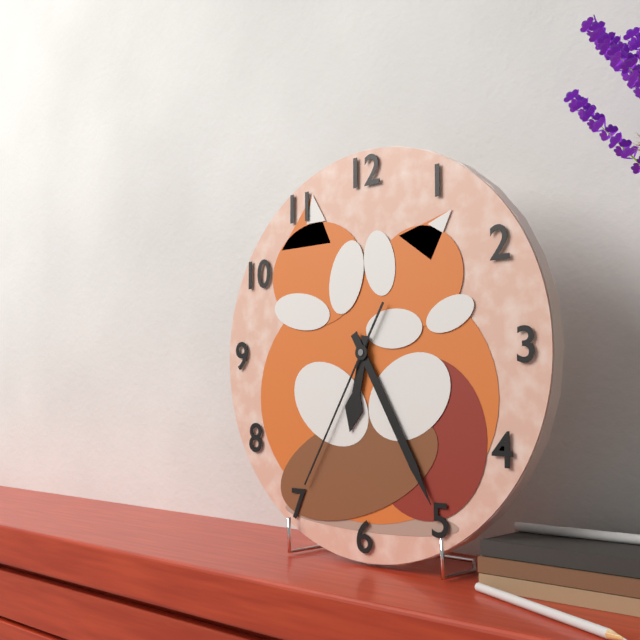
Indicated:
6,25,35
